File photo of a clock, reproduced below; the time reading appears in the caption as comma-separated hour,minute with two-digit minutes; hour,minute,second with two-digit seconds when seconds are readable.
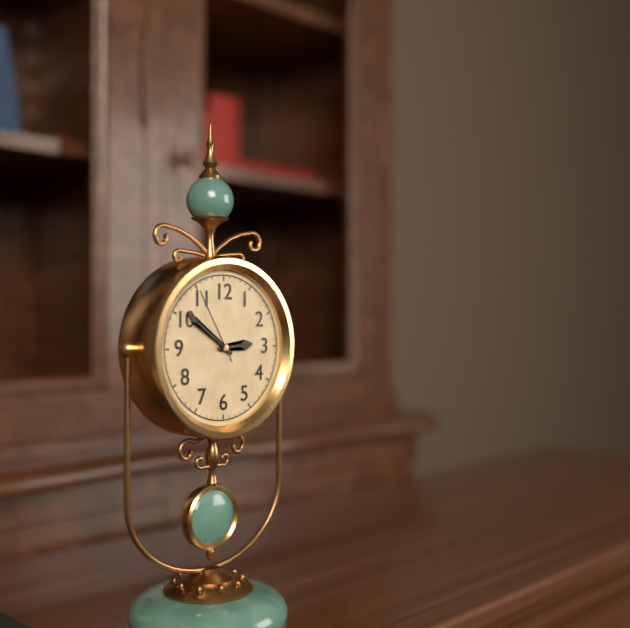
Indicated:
2,51,55
